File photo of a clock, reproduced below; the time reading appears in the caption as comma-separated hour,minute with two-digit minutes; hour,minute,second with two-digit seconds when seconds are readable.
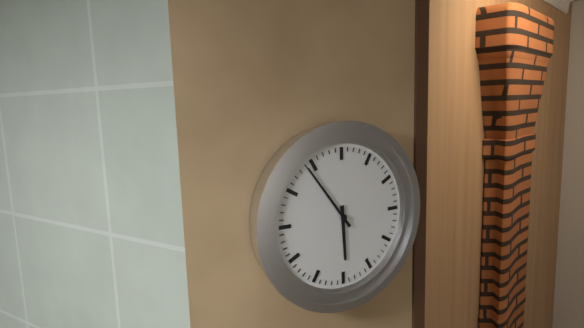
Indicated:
5,54
